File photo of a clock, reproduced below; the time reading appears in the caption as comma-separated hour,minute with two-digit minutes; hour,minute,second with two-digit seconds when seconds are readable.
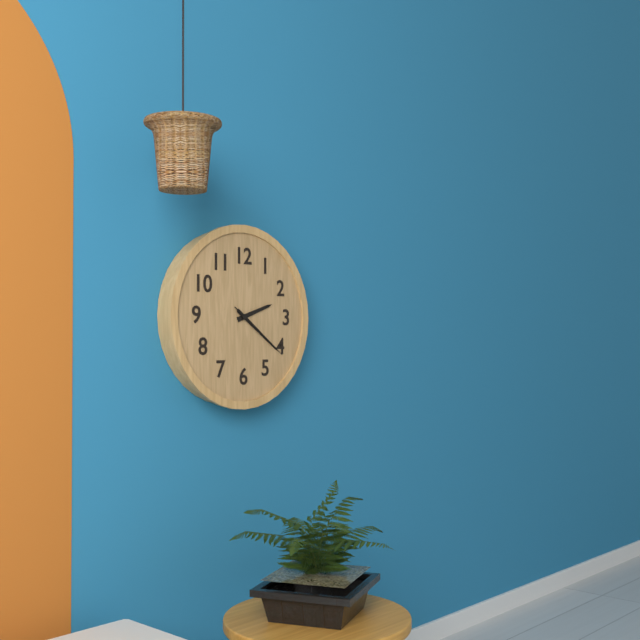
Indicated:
2,21,21
